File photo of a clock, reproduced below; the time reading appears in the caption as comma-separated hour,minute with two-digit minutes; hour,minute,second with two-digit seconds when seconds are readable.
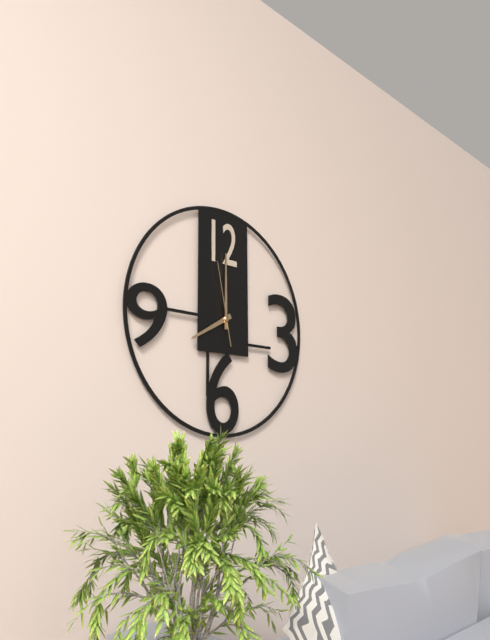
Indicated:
8,00,58
